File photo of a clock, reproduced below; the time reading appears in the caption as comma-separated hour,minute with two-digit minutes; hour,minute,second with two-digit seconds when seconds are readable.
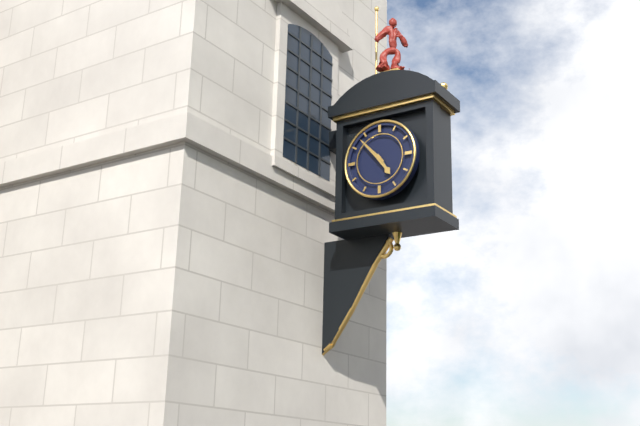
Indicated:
4,53
